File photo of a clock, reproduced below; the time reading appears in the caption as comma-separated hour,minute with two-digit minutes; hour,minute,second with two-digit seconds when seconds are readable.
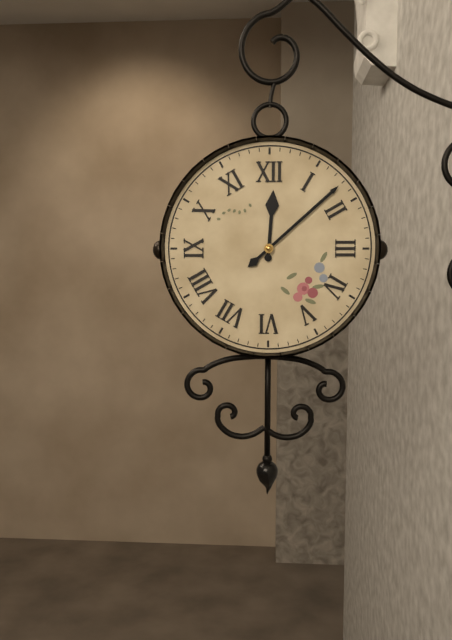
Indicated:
12,08
